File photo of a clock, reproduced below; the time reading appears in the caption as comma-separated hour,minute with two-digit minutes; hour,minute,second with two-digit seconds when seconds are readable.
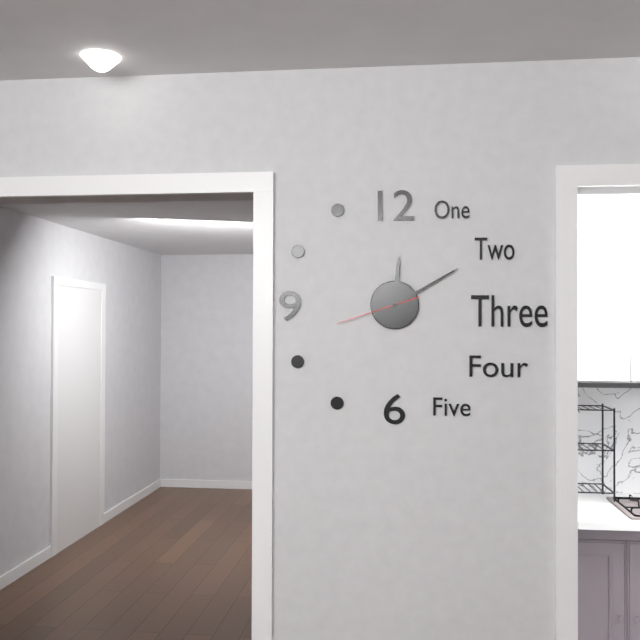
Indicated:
12,10,42
